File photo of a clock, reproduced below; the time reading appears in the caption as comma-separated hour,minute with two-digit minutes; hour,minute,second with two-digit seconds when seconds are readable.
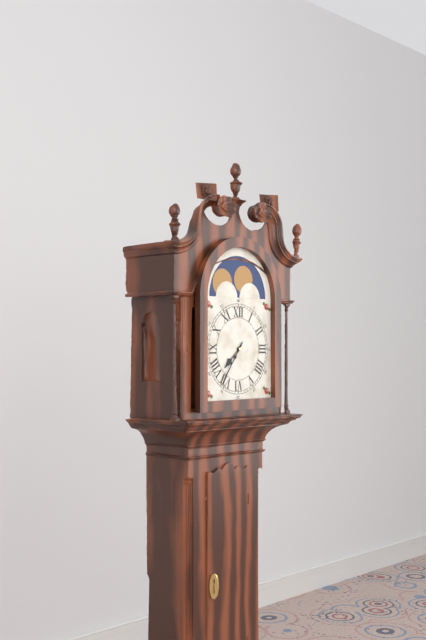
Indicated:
7,36
